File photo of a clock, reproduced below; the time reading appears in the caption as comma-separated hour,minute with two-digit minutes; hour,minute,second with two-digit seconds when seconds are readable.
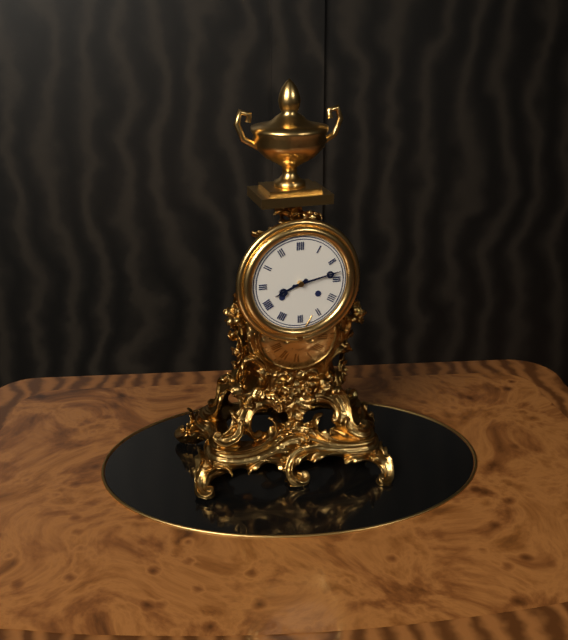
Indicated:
8,13
